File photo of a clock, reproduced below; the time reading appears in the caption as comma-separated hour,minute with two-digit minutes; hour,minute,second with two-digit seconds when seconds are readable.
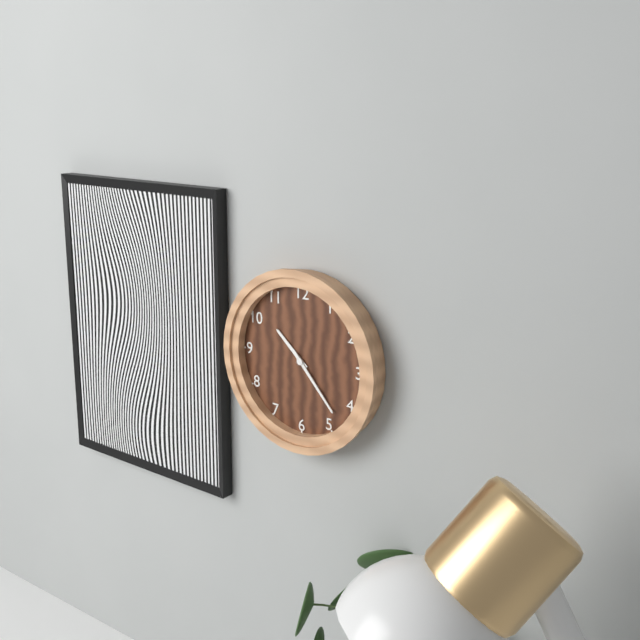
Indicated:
10,23
